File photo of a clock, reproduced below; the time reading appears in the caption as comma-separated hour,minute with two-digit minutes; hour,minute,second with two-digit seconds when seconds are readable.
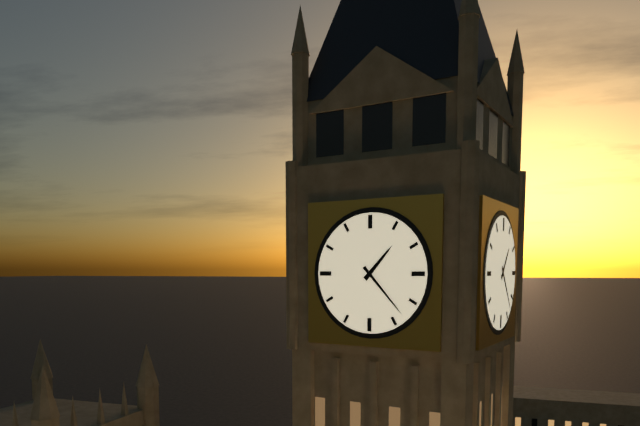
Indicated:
1,23
